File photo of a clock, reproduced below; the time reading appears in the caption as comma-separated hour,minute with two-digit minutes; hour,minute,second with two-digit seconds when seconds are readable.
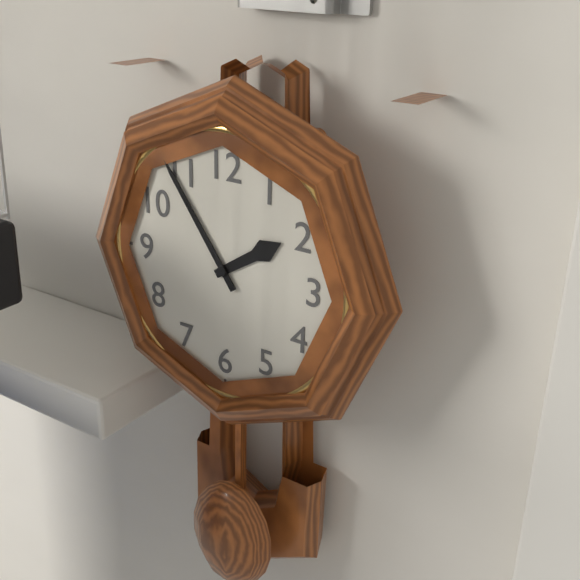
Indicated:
1,54
